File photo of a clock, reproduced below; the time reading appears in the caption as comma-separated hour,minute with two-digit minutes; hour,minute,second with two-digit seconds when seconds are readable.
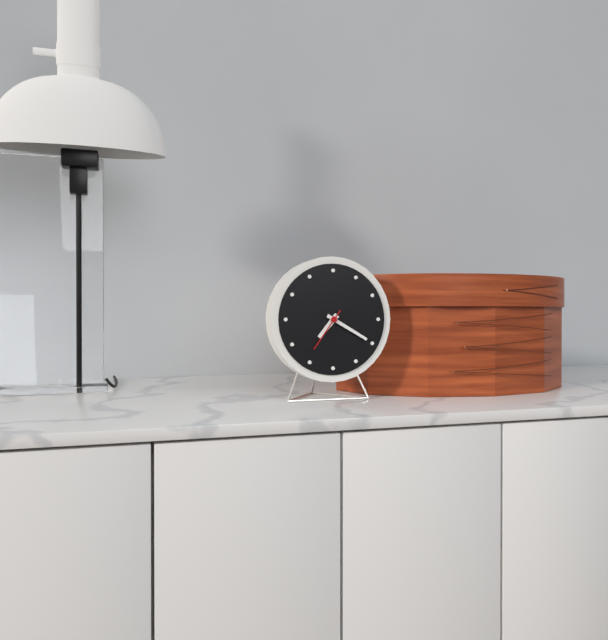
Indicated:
7,20
